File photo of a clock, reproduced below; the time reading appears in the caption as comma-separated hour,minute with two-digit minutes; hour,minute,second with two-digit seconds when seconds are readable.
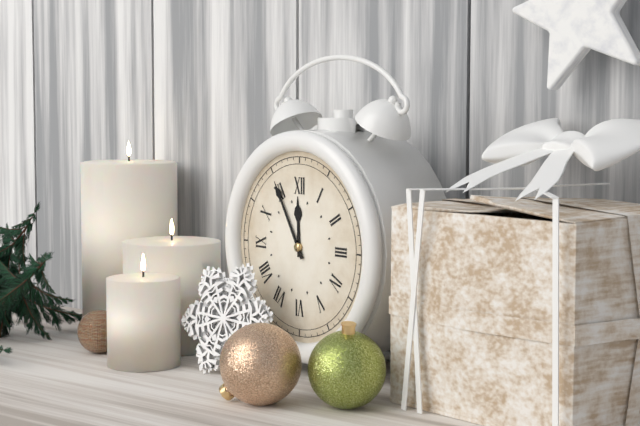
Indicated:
11,55
